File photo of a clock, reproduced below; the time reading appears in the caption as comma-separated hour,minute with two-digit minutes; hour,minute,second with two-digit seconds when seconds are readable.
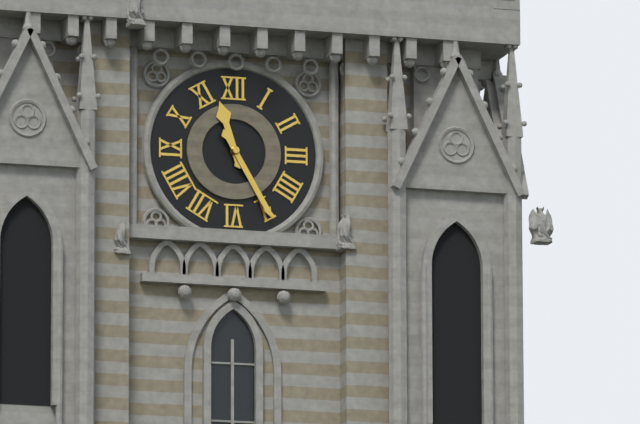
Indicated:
11,25
